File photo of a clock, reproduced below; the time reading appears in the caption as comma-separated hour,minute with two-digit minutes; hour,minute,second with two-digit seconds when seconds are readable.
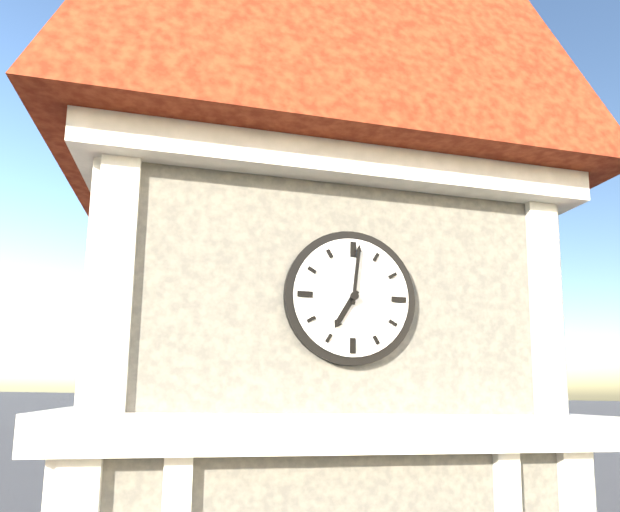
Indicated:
7,01
